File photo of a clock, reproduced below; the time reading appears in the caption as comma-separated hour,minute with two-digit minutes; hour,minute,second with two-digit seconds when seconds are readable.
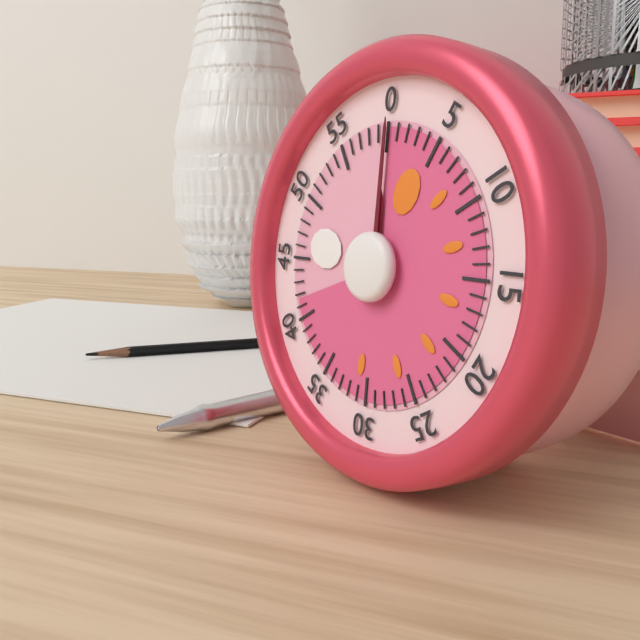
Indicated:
12,00
